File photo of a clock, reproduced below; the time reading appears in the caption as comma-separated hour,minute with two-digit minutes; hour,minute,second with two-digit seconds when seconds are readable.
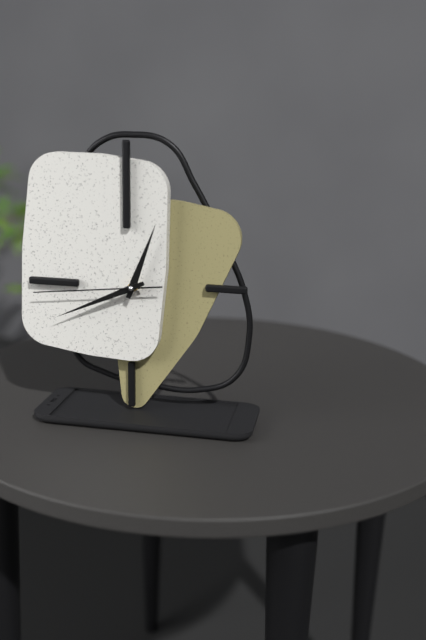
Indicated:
12,41,44
